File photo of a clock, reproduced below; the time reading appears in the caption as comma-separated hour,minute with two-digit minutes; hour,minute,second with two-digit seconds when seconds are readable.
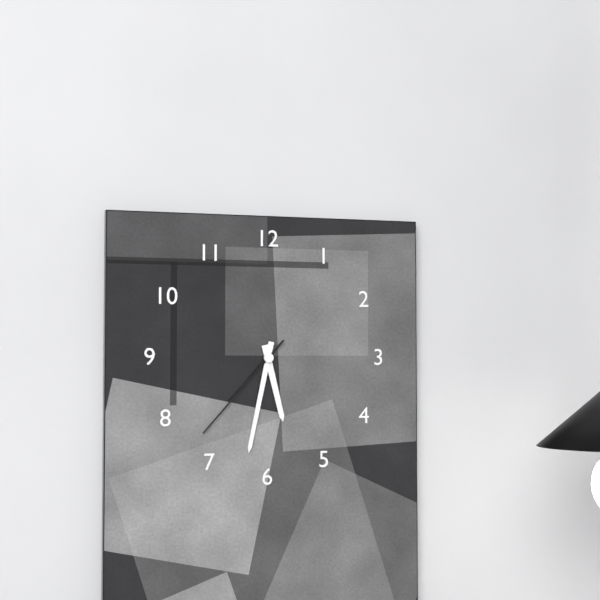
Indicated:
5,32,37
